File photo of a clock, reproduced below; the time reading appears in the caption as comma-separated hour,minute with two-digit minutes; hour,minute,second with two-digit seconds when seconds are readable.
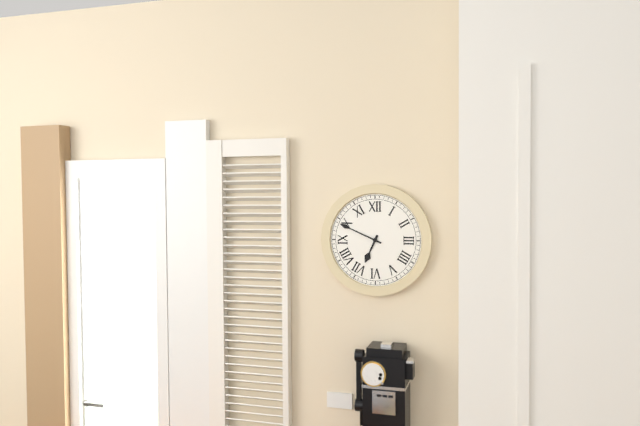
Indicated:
6,49
